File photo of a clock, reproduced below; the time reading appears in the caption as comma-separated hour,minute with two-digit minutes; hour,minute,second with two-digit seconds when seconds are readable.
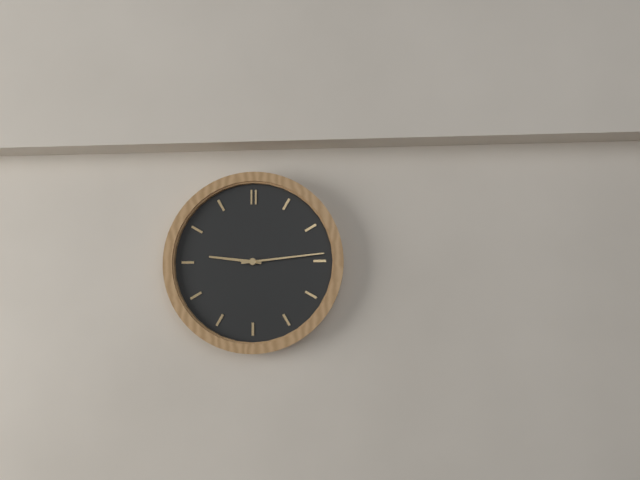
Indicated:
9,14
